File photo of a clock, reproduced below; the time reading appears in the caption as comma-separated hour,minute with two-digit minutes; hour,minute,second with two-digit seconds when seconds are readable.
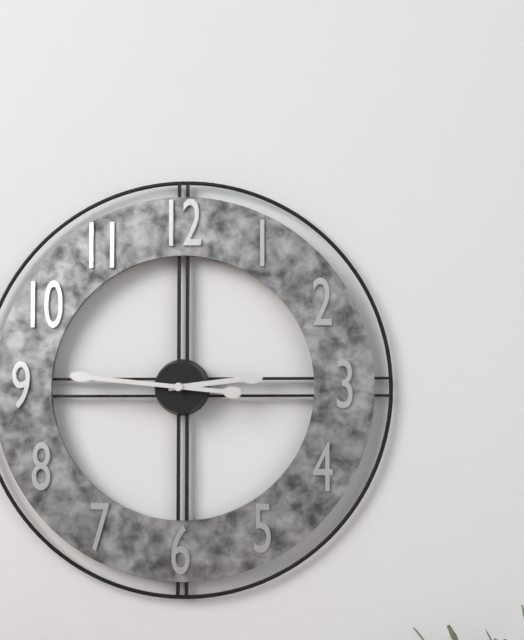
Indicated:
2,46
